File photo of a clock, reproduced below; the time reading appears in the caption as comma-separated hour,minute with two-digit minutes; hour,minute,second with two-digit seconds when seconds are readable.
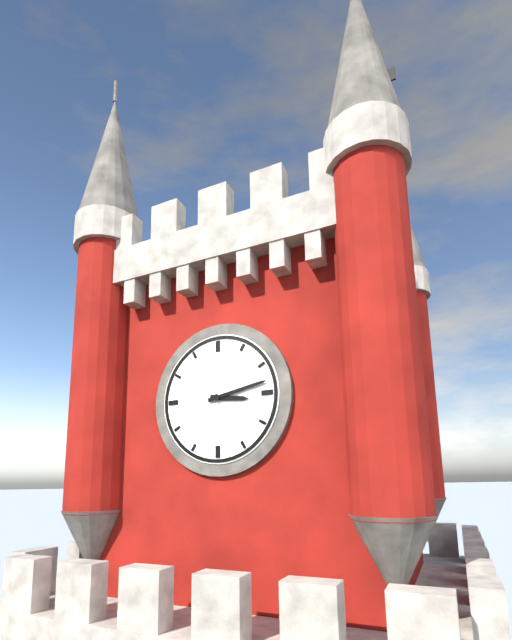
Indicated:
3,13
